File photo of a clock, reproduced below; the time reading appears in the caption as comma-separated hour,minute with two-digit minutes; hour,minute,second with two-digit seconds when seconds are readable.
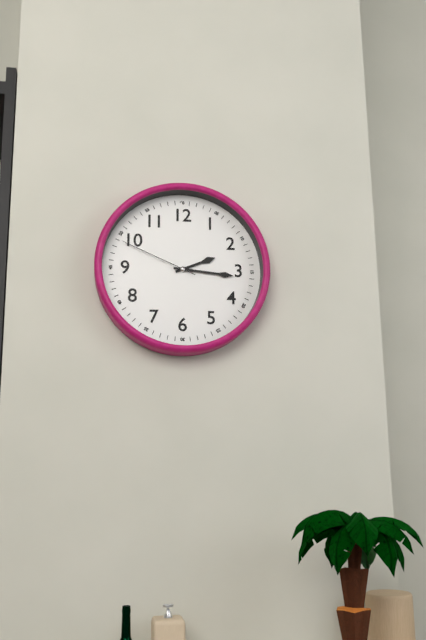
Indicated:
2,16,49
